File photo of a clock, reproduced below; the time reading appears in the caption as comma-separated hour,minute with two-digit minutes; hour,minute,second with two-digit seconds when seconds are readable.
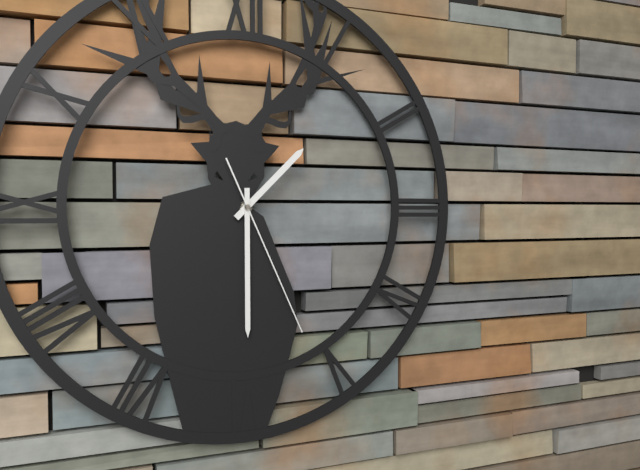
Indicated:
1,30,26
